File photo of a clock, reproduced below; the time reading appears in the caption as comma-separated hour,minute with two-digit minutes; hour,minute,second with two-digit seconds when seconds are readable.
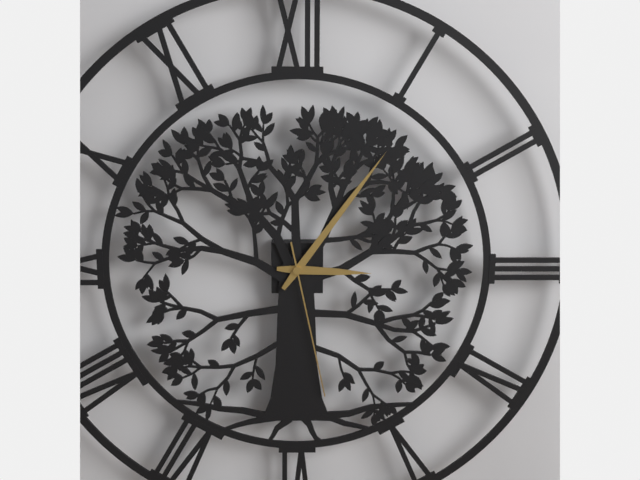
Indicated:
3,06,28
